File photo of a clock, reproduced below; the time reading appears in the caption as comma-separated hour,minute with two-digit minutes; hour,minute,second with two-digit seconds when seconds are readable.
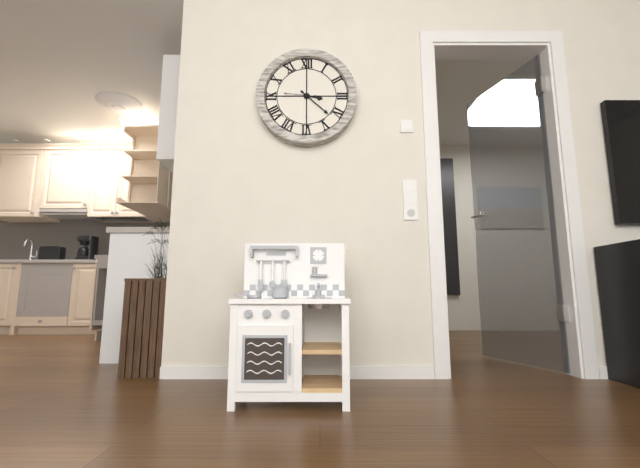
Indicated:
3,22
